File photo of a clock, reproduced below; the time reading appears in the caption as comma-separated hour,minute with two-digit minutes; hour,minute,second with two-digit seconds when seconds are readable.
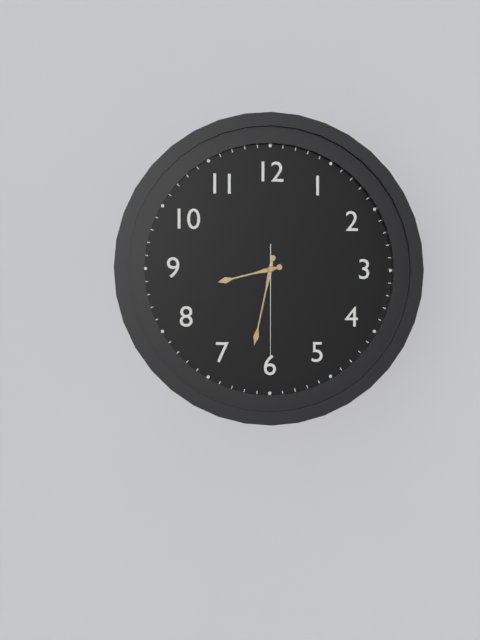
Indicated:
8,32,30
